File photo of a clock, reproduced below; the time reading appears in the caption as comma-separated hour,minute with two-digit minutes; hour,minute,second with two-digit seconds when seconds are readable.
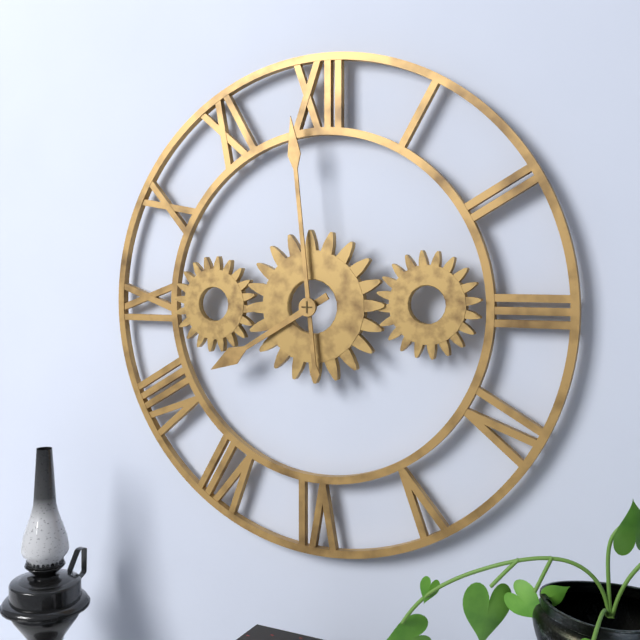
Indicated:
7,59
